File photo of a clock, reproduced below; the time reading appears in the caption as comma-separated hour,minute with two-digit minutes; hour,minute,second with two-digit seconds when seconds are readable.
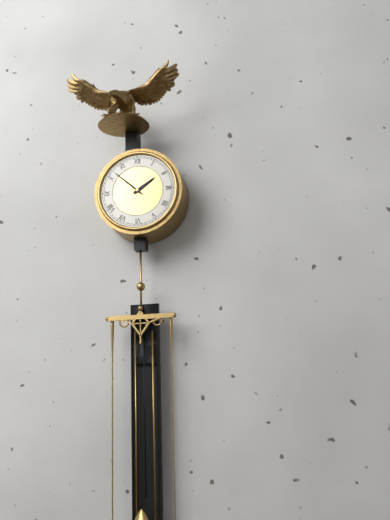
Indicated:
1,52
